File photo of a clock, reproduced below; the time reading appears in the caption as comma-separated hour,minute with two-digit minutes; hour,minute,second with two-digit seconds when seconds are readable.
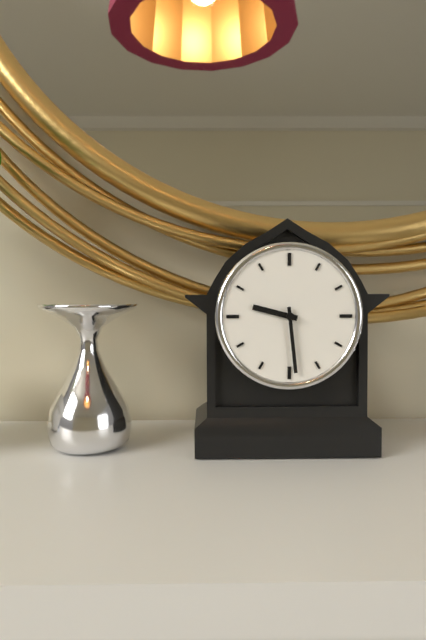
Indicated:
9,29
